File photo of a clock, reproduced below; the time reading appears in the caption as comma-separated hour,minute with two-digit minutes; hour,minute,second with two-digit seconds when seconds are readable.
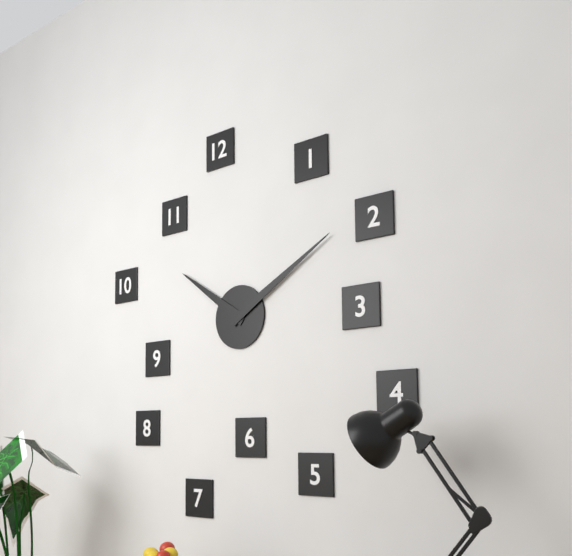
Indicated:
10,10
